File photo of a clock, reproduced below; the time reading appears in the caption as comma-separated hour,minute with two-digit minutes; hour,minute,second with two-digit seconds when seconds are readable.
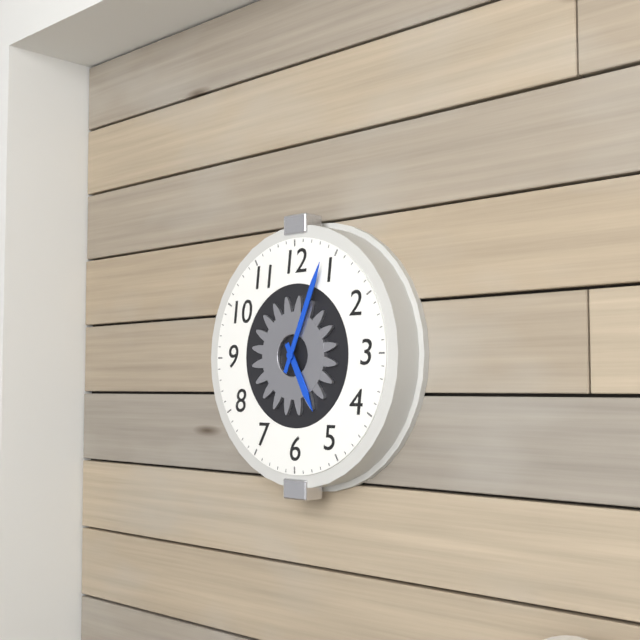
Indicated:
5,04
